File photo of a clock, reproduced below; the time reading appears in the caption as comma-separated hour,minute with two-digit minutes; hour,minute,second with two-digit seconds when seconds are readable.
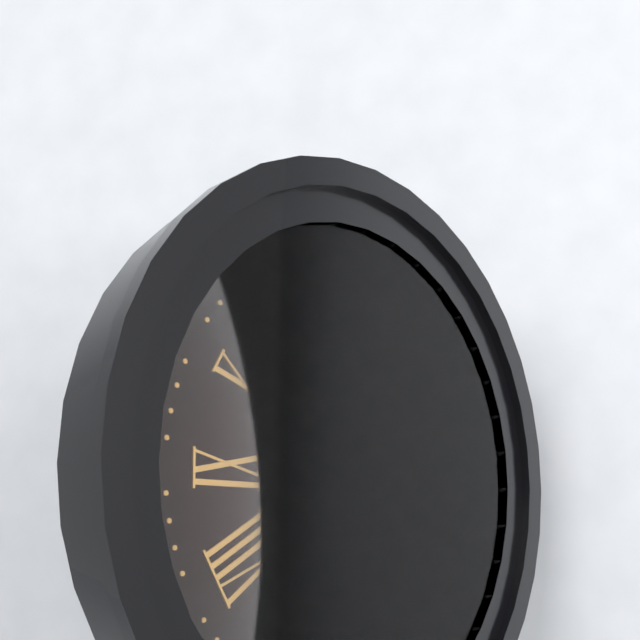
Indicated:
11,56,11
